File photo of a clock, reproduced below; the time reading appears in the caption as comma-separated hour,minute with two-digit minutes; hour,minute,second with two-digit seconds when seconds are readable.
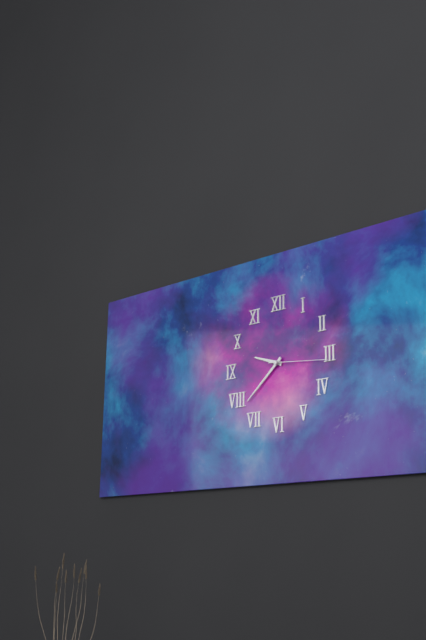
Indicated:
9,38,16
